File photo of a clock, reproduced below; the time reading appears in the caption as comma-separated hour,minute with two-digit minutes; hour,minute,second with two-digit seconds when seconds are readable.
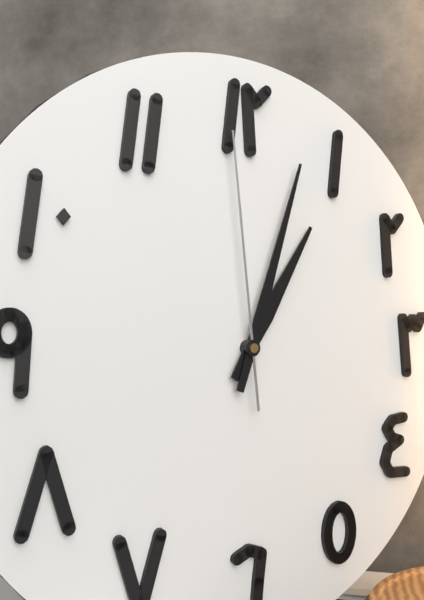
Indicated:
1,03,59
